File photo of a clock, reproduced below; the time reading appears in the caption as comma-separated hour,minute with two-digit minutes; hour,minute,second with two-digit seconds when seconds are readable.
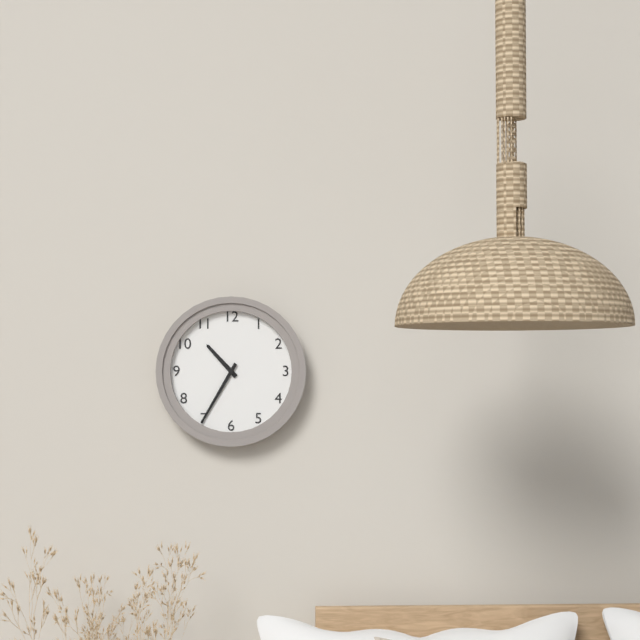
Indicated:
10,35
